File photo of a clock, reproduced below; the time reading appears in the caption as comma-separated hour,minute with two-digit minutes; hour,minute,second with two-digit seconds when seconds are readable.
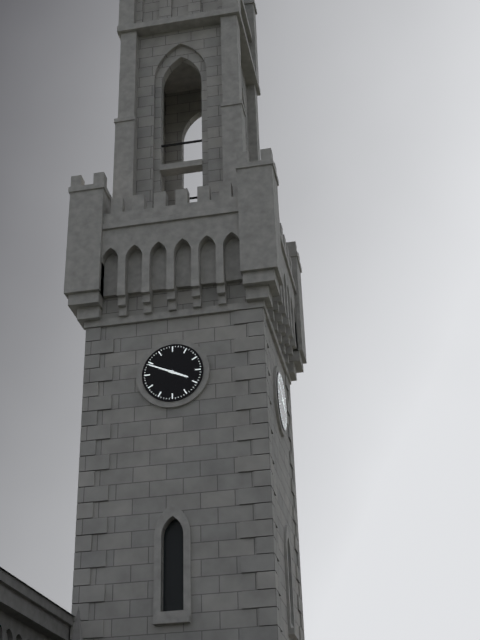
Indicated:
3,49
